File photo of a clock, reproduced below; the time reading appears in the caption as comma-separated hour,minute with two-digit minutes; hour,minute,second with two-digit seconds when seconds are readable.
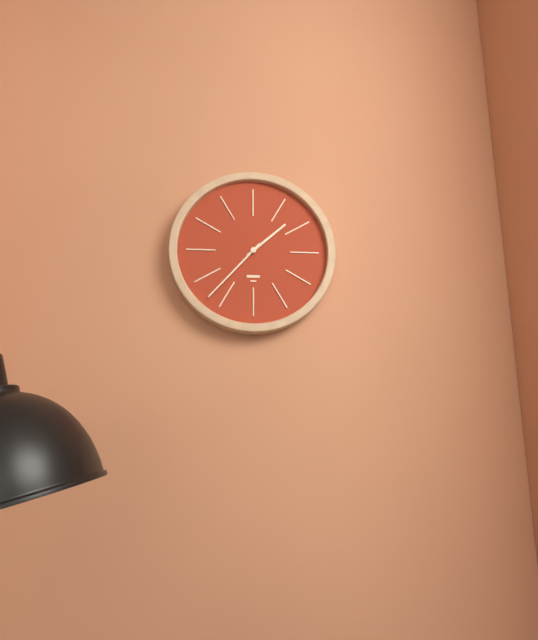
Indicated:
1,37
